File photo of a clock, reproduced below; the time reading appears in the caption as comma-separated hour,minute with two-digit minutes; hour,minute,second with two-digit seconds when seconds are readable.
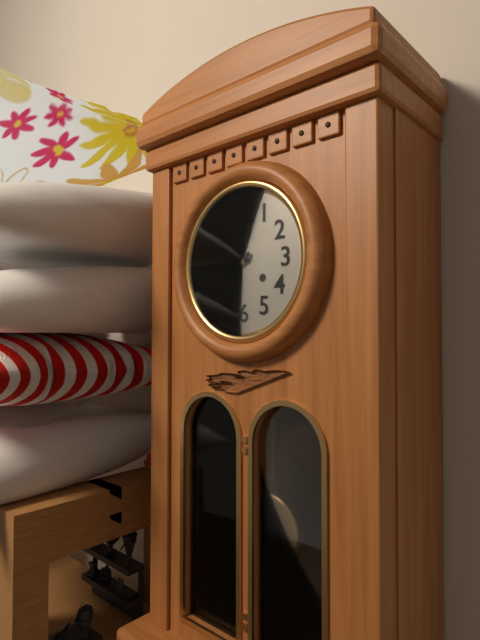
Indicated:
8,38
